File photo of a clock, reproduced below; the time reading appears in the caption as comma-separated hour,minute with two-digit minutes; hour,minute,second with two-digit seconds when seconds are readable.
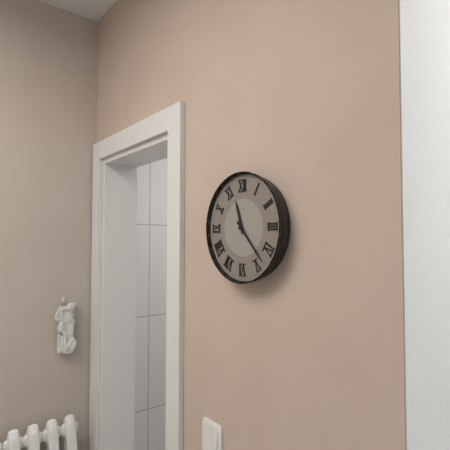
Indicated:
11,23
